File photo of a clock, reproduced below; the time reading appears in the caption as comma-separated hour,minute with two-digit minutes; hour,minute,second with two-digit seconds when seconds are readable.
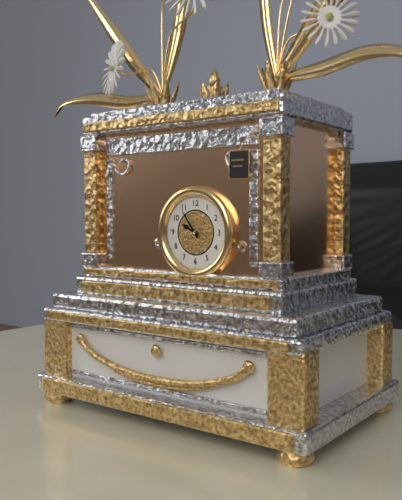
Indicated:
9,54
